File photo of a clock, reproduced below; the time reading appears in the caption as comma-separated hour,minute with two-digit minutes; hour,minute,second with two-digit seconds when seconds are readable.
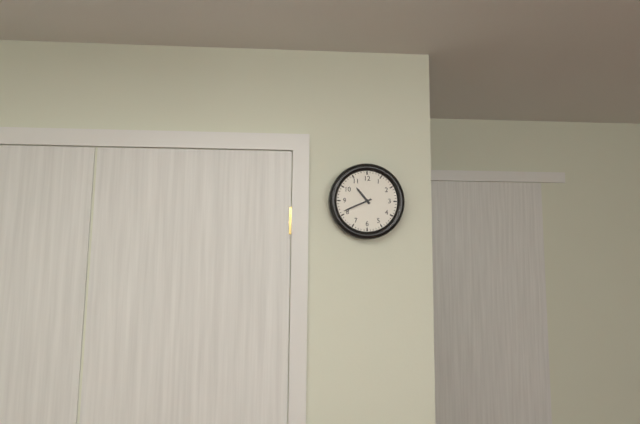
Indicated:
10,41
